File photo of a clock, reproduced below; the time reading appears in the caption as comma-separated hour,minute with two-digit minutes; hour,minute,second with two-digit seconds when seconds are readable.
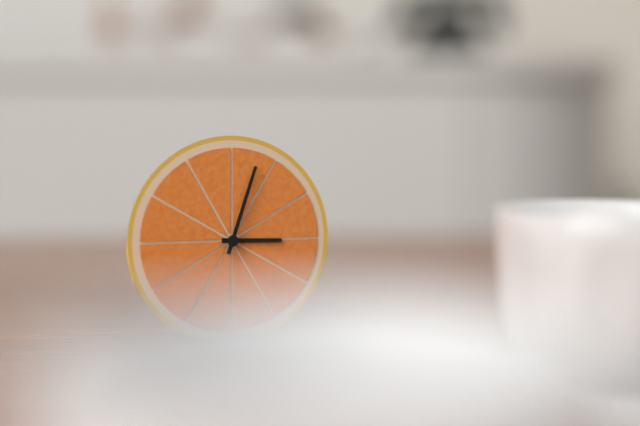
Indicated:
3,03
